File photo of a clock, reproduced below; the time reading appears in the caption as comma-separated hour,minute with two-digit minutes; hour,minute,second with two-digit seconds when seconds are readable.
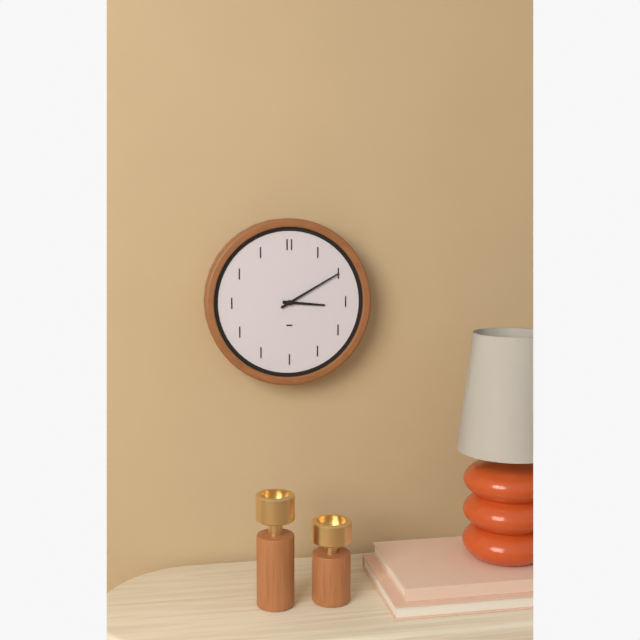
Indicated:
3,10
